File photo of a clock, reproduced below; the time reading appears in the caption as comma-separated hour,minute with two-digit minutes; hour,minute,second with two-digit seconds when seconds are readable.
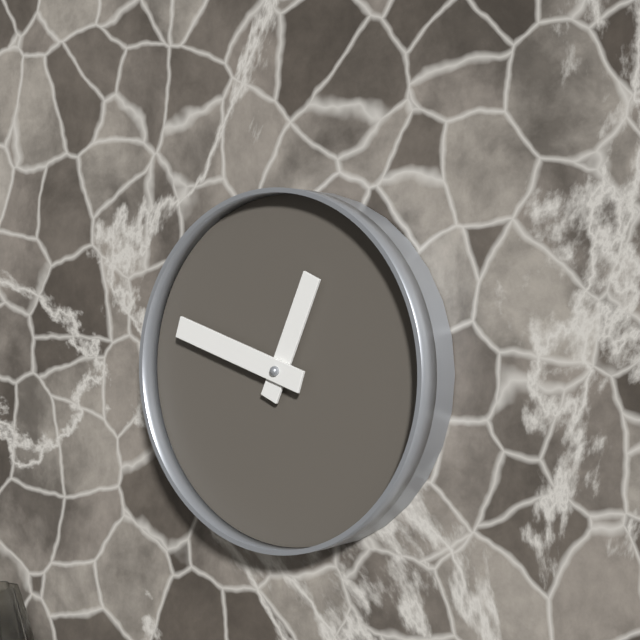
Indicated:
12,48
